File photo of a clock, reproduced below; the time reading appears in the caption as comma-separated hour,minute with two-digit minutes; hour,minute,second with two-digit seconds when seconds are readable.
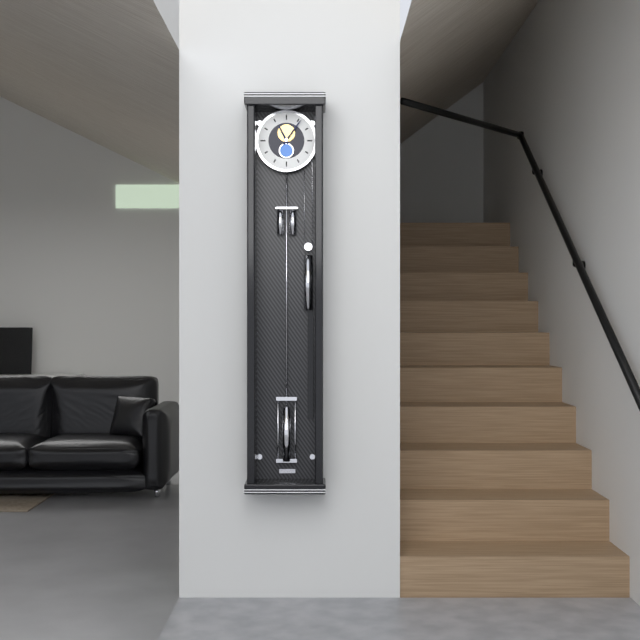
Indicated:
11,06
